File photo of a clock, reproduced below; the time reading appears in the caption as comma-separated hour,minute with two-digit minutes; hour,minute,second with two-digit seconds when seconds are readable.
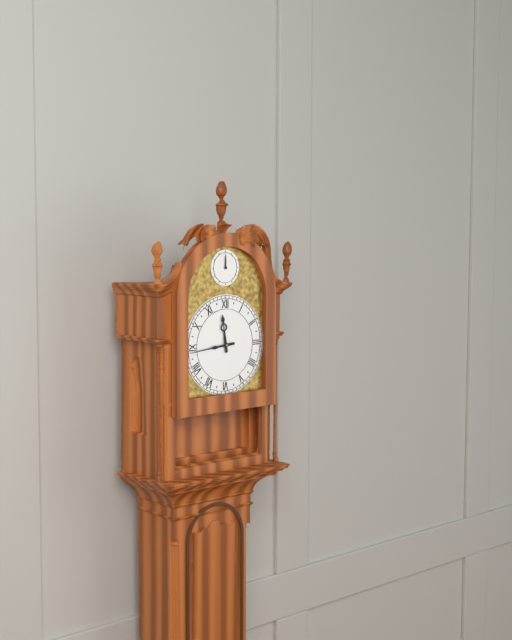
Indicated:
11,44
